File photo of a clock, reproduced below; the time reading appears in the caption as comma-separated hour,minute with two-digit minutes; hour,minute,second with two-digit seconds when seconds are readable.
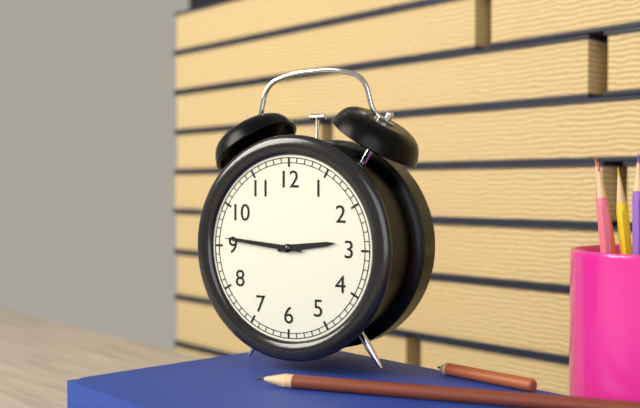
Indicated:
2,46
